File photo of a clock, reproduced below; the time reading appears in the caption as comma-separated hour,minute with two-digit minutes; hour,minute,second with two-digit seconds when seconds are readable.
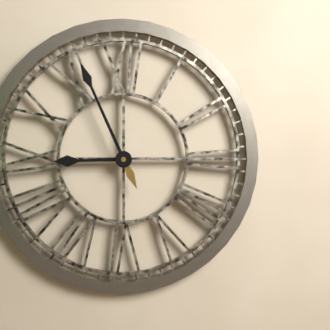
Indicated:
8,56
